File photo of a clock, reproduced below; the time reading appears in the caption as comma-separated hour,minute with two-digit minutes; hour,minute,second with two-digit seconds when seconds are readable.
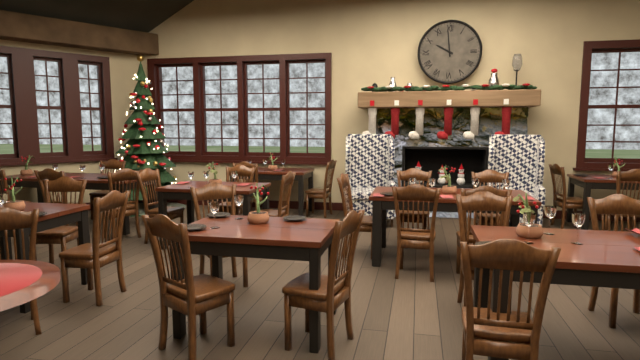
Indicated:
9,59
